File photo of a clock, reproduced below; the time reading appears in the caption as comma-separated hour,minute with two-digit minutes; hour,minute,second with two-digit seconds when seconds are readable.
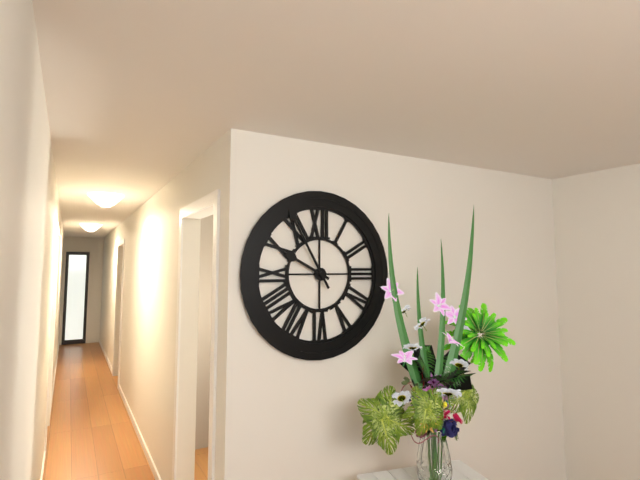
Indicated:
9,55
